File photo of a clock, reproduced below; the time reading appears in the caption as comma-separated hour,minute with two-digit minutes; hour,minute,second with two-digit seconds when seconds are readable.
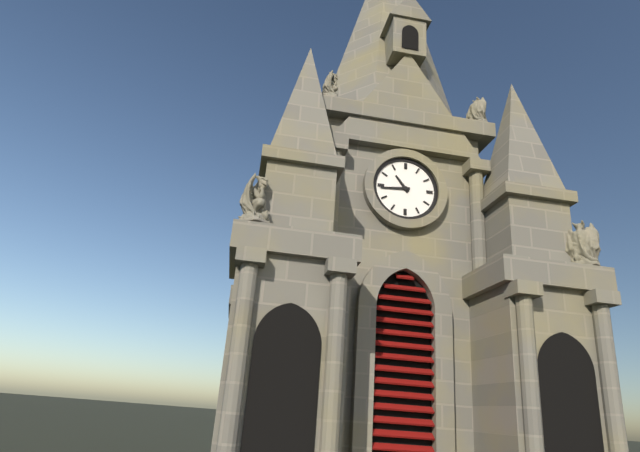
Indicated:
10,44
